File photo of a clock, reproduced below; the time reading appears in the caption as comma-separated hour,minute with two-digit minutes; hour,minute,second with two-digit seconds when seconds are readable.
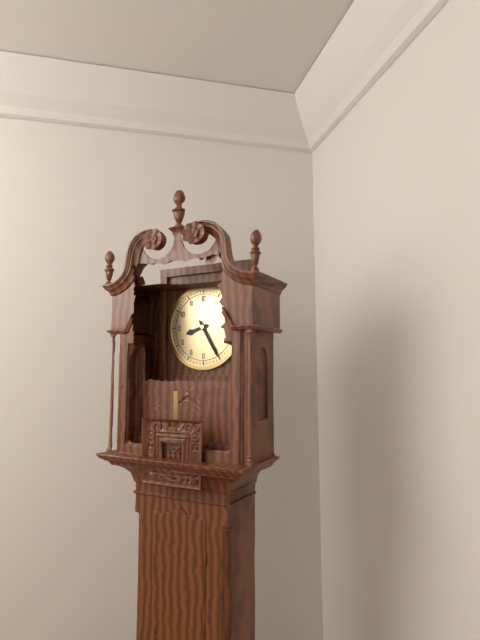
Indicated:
8,25
